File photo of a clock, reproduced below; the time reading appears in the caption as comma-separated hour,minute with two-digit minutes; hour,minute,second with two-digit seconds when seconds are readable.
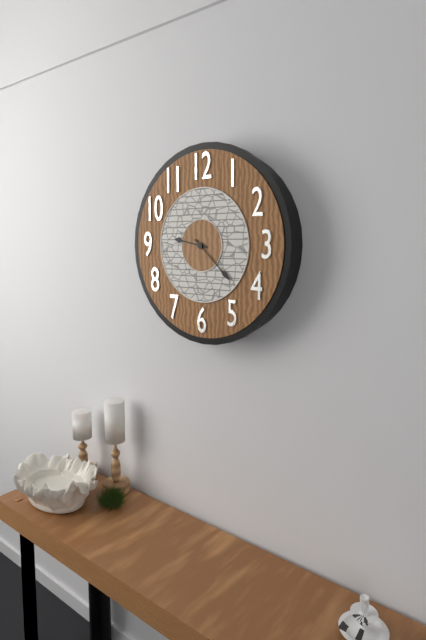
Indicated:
9,22
